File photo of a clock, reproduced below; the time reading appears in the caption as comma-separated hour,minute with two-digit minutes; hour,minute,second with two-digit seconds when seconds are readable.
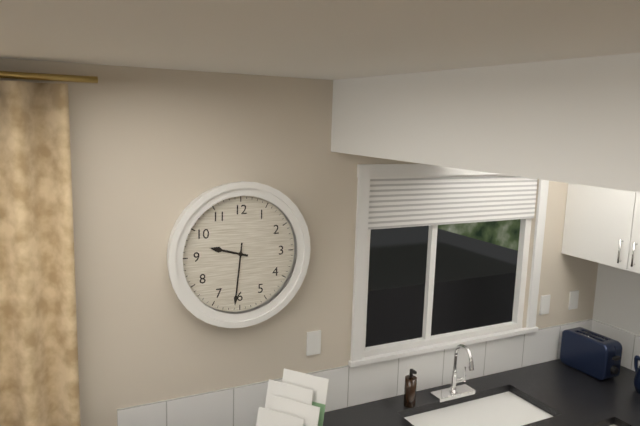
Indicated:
9,31
